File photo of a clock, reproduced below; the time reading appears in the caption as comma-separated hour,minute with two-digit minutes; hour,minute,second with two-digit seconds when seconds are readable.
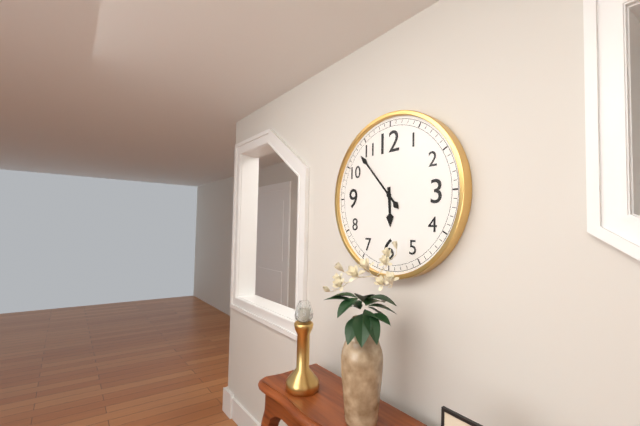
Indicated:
5,53
